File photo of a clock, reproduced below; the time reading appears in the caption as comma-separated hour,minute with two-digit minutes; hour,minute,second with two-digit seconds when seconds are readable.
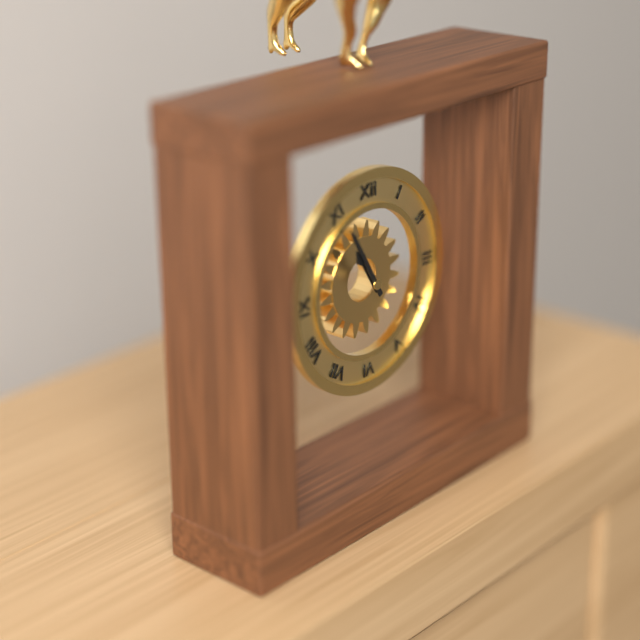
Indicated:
10,55
